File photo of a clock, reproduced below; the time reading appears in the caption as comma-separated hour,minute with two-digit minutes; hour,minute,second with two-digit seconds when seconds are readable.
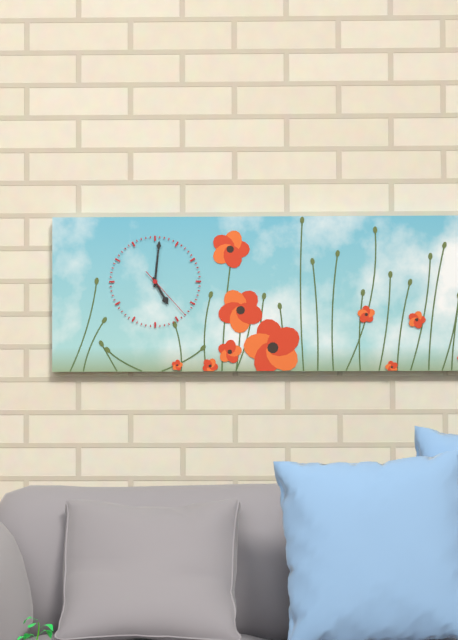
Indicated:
5,01,23
